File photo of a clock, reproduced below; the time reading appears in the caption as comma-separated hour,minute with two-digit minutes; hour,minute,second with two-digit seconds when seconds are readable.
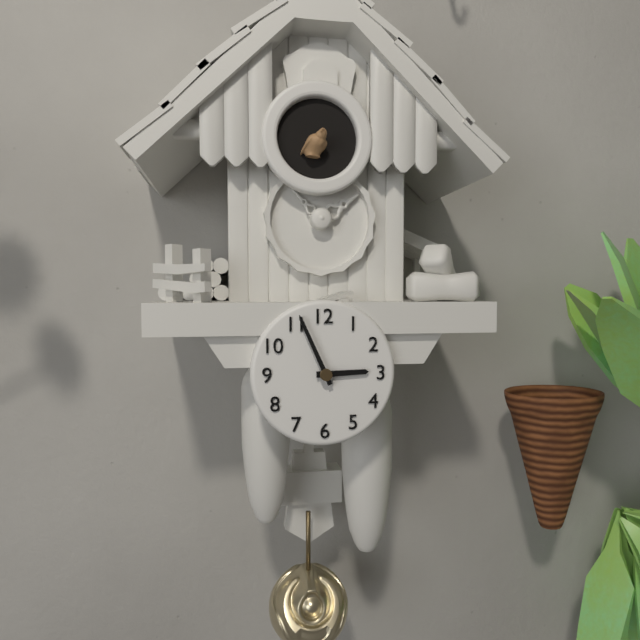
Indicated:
2,56
